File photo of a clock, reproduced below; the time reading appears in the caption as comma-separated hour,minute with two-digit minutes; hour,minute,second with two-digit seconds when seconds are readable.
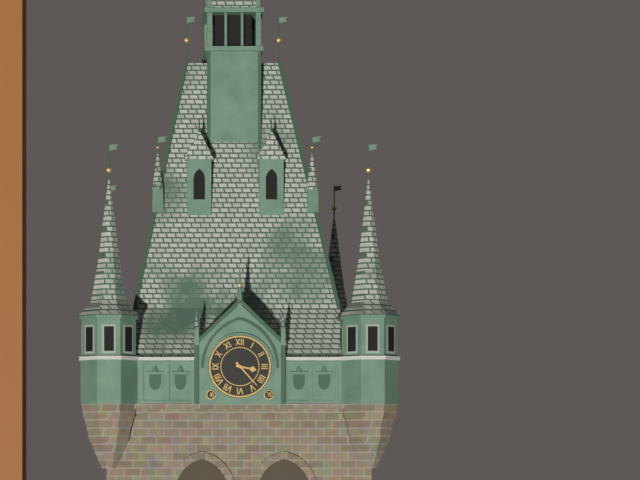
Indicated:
3,23
